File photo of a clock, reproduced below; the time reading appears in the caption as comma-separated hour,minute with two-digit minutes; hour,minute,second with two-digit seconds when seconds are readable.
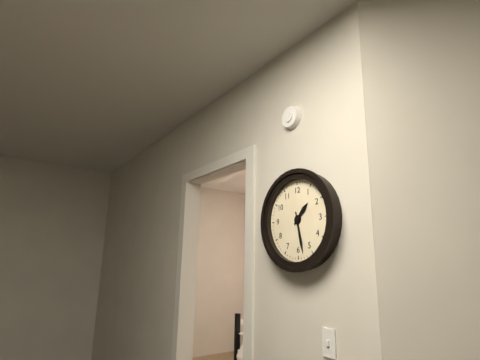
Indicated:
1,28
